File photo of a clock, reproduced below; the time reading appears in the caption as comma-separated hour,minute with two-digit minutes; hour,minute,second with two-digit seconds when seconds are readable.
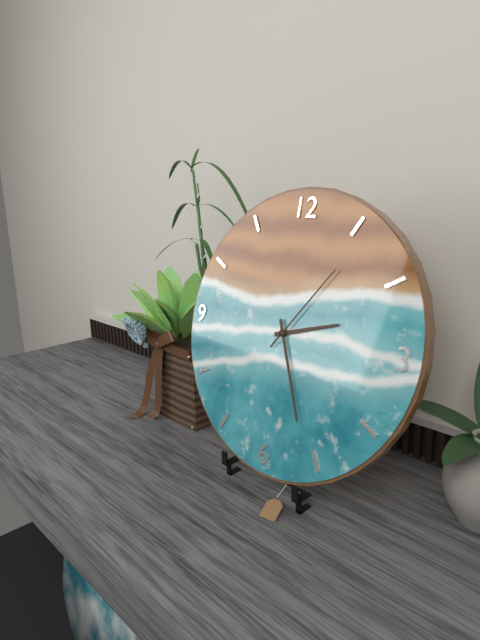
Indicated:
2,26,06
